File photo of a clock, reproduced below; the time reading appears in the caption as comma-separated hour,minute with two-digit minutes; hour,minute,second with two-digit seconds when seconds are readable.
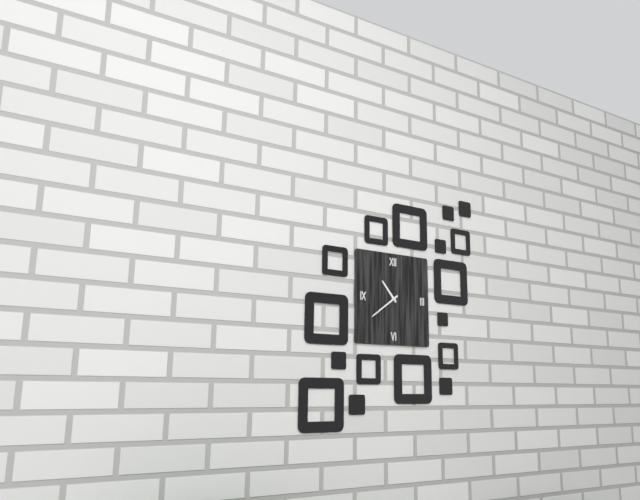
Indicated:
10,39
